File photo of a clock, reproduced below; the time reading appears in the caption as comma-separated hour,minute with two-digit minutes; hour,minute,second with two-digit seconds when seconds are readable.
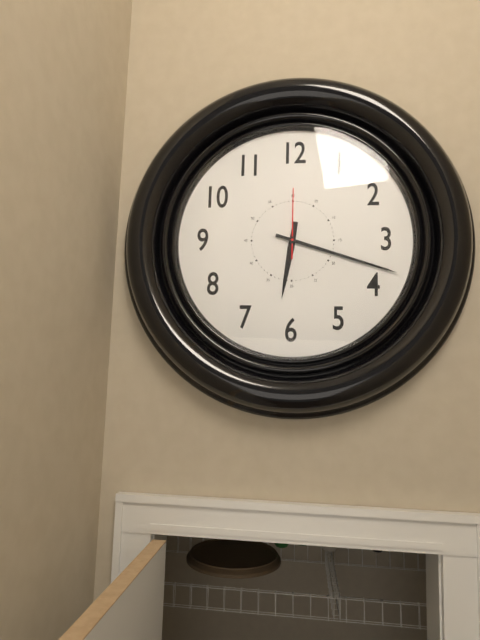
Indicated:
6,18,00
